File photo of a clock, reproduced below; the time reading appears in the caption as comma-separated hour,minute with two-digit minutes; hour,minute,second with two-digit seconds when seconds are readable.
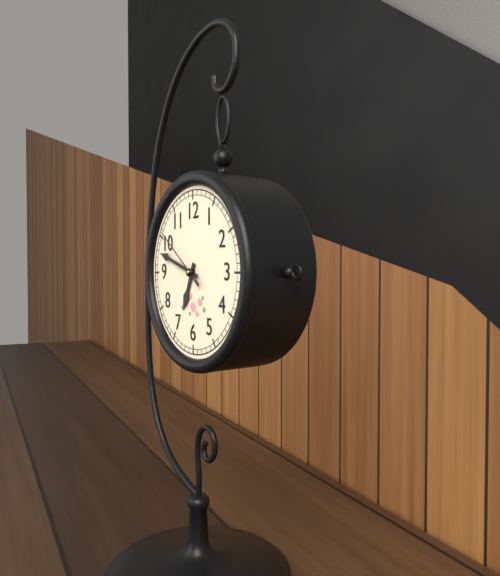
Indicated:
6,48,51
